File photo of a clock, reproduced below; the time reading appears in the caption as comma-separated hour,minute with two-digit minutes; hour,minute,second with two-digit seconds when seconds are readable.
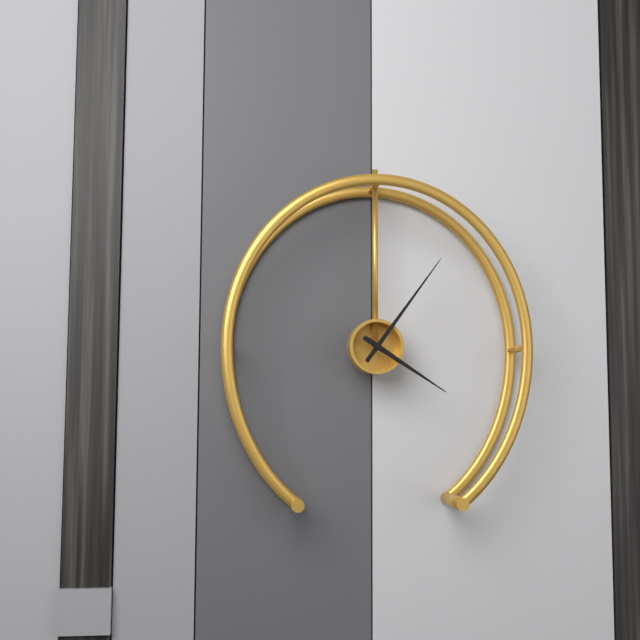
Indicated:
4,06
